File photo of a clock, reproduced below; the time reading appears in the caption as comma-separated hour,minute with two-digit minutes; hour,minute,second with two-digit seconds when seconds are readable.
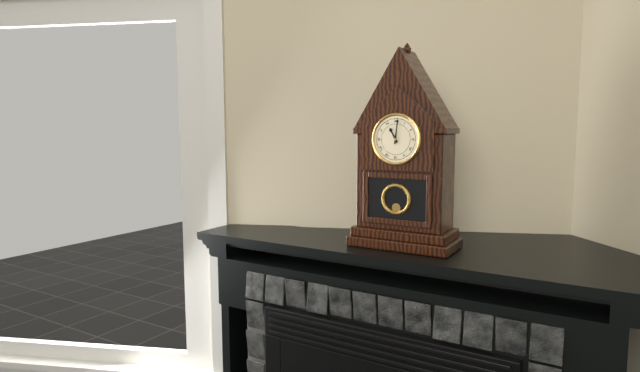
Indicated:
11,01
